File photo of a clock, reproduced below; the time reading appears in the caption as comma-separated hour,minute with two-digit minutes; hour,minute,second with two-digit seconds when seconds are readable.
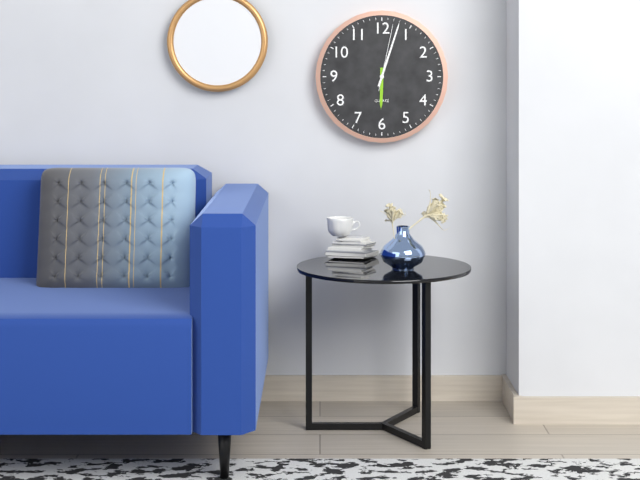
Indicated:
6,03,02
